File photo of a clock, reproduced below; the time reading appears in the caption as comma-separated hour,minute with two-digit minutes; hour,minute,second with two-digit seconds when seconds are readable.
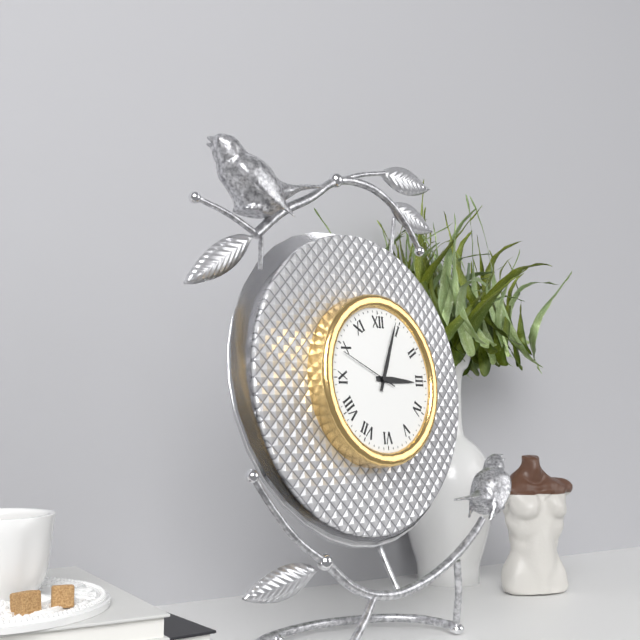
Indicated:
3,04,49
